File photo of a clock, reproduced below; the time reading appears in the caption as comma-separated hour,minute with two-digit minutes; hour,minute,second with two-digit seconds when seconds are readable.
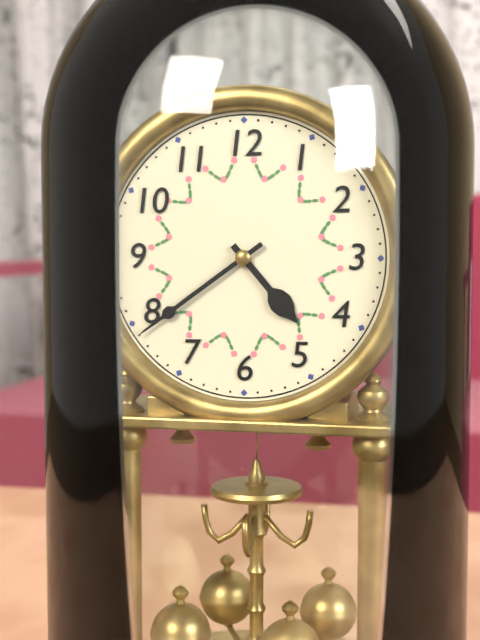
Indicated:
4,39
